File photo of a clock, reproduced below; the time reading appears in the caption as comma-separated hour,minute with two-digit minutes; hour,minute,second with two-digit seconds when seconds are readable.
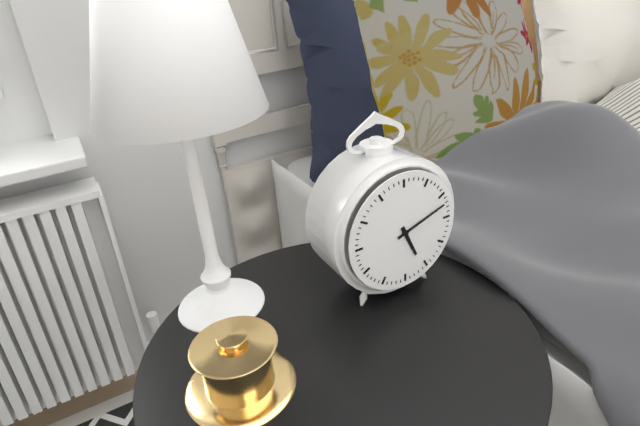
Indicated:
5,12
